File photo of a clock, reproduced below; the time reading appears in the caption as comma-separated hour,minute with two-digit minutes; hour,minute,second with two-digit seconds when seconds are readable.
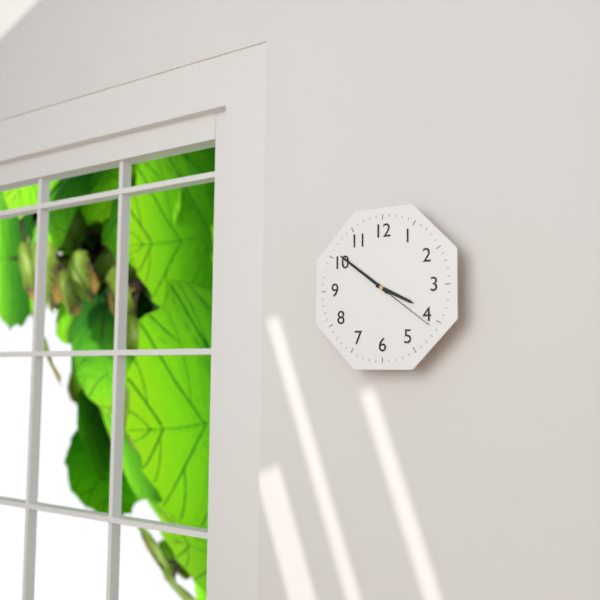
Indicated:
3,51,21
